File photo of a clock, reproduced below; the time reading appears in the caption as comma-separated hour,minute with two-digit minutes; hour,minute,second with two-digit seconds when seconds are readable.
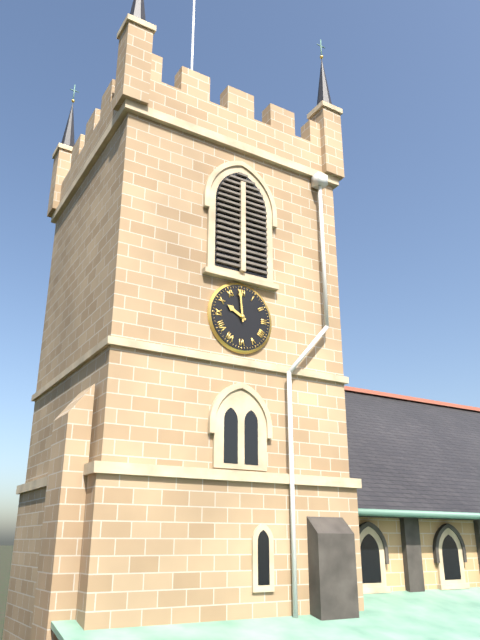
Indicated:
9,59
